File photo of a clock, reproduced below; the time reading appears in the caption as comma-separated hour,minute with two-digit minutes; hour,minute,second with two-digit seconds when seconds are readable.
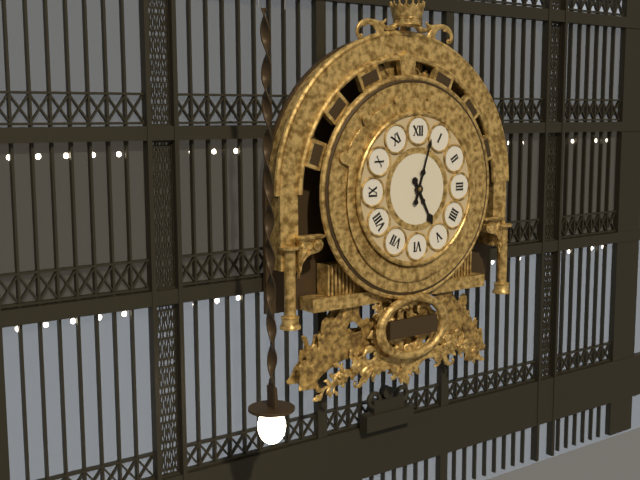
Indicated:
5,03
